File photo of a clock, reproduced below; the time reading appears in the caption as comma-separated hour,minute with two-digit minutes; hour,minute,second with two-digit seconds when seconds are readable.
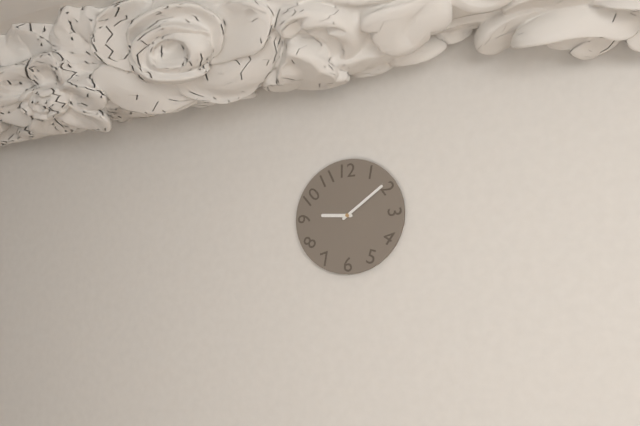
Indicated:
9,09
